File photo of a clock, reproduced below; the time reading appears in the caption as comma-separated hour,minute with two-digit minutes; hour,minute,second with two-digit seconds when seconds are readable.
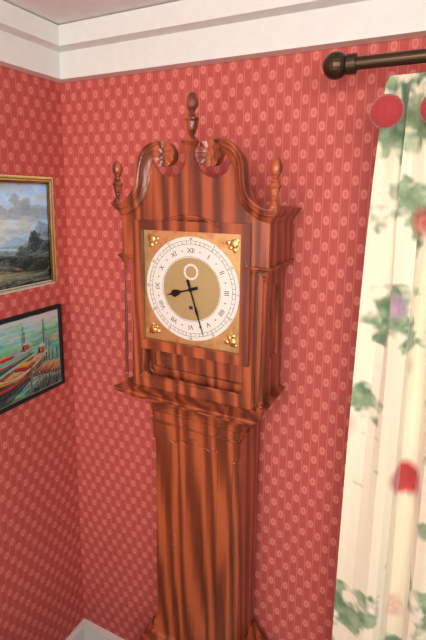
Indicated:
8,27
